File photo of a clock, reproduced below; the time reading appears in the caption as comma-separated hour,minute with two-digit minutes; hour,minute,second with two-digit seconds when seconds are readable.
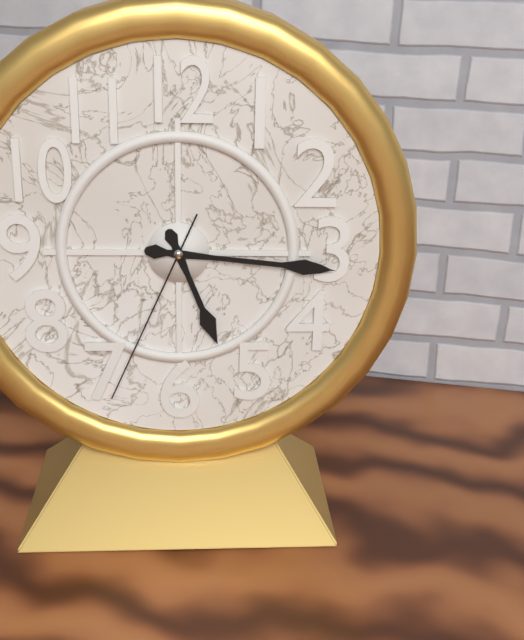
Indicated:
5,16,34
